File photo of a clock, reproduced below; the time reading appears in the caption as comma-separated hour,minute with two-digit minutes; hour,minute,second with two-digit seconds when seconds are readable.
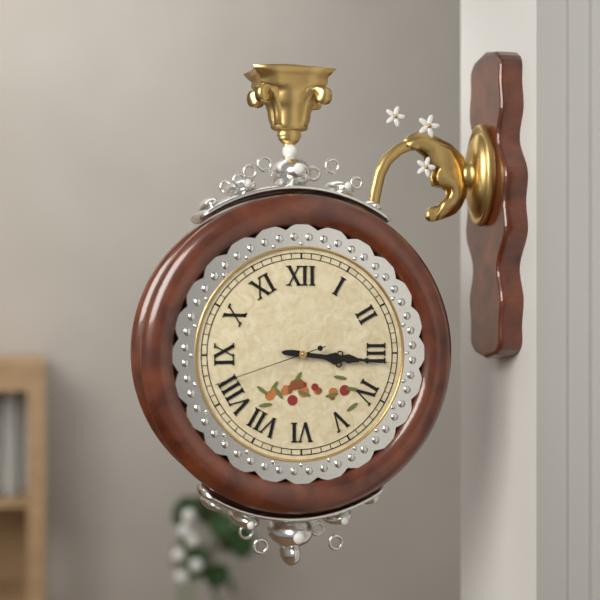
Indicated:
3,16,42
